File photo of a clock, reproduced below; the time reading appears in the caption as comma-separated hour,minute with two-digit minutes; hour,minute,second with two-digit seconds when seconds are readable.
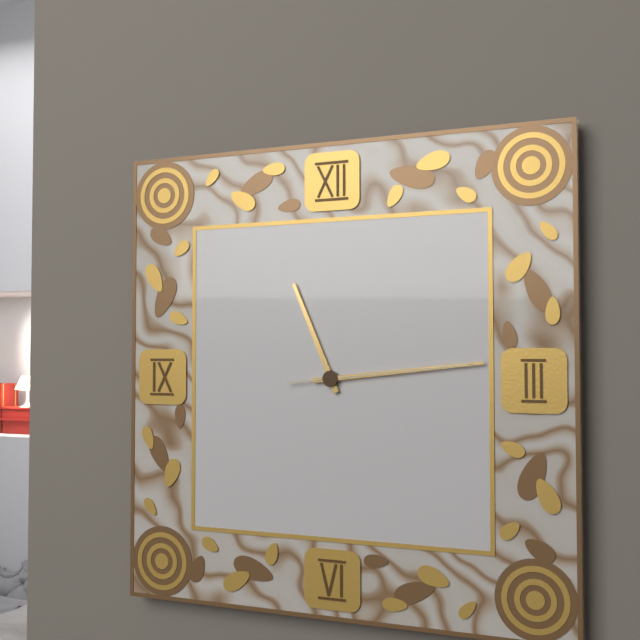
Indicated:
11,14,14
